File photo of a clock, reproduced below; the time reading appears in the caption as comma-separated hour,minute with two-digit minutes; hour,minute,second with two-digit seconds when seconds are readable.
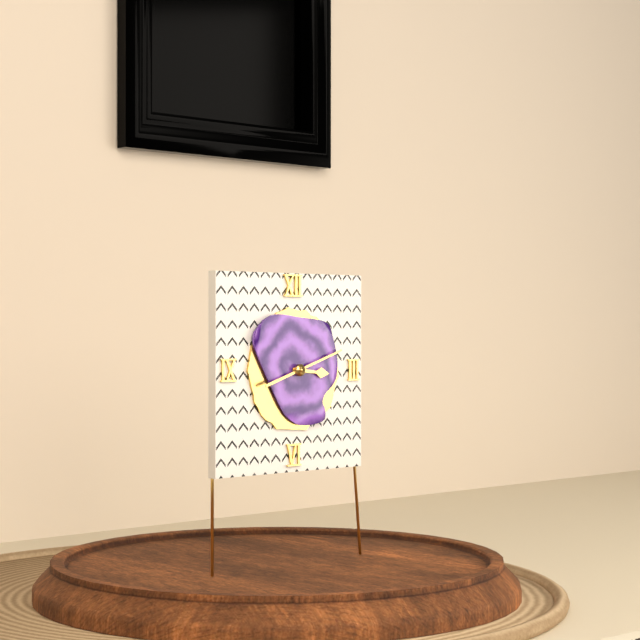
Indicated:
3,12
